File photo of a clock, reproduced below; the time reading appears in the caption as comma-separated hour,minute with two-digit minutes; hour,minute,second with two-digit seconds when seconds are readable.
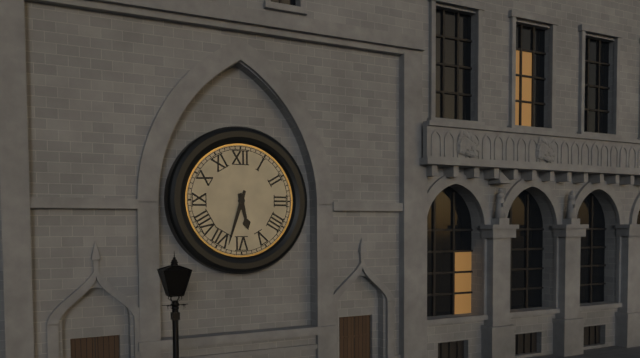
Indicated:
5,33
